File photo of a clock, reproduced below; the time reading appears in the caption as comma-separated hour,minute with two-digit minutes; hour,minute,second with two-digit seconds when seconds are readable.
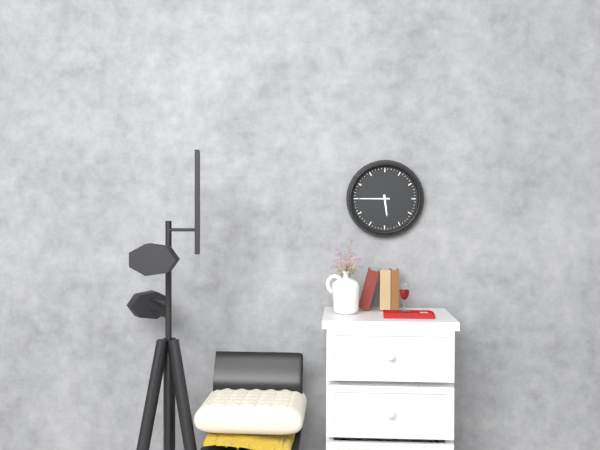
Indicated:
5,45
